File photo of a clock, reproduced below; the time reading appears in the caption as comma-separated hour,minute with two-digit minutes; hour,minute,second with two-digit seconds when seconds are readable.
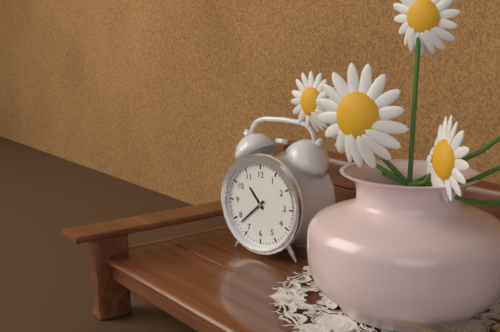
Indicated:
10,38
